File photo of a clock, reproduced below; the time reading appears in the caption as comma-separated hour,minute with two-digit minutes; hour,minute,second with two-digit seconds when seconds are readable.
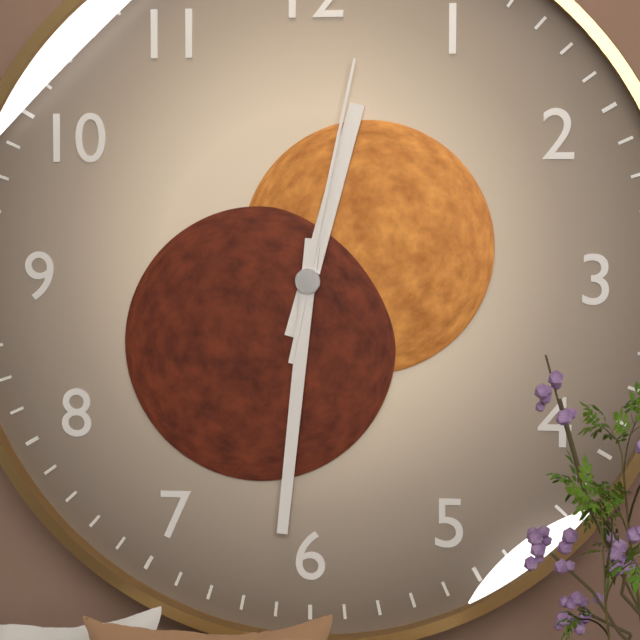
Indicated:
12,31,02
